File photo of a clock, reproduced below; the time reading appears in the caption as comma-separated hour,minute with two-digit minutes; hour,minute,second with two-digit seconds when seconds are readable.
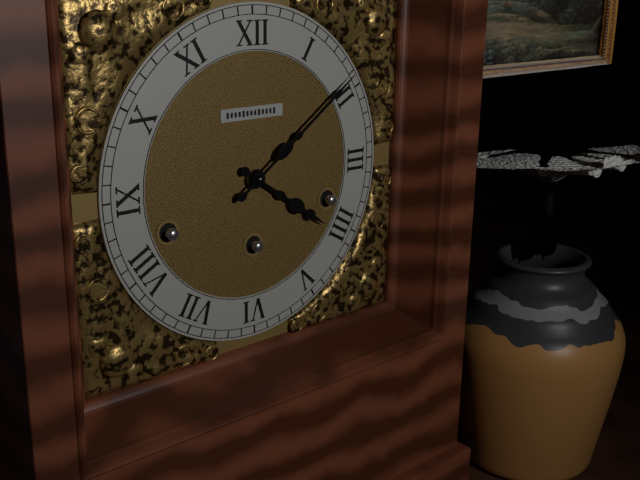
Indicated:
4,09
